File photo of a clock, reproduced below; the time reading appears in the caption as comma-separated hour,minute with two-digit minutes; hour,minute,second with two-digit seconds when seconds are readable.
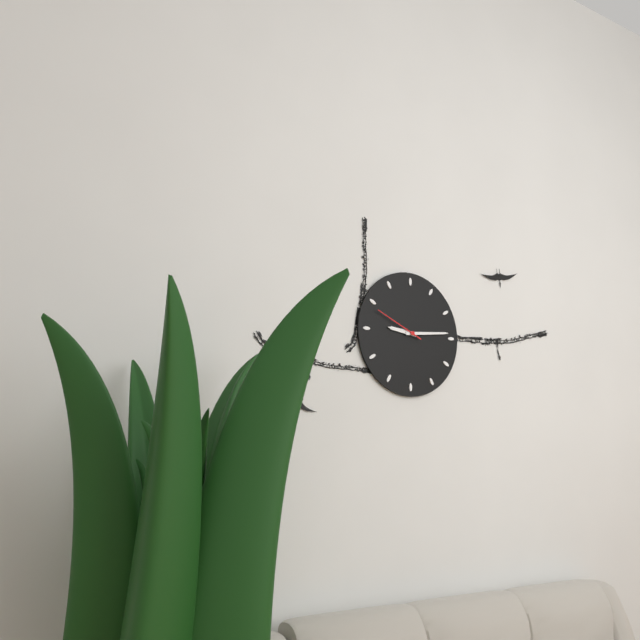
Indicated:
9,14
